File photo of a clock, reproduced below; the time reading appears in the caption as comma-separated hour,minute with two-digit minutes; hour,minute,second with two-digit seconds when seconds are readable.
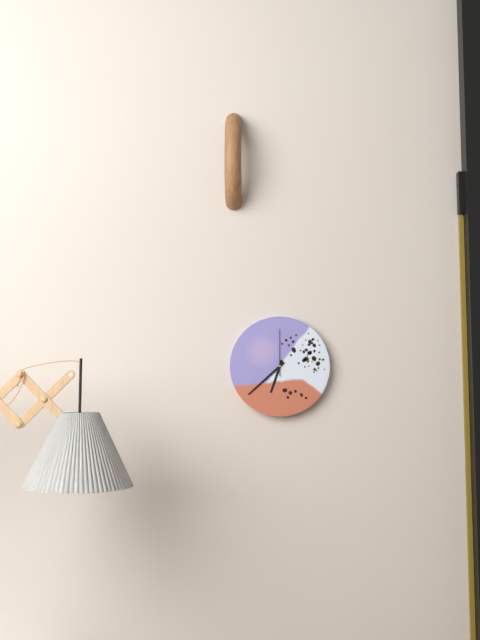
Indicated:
6,38
